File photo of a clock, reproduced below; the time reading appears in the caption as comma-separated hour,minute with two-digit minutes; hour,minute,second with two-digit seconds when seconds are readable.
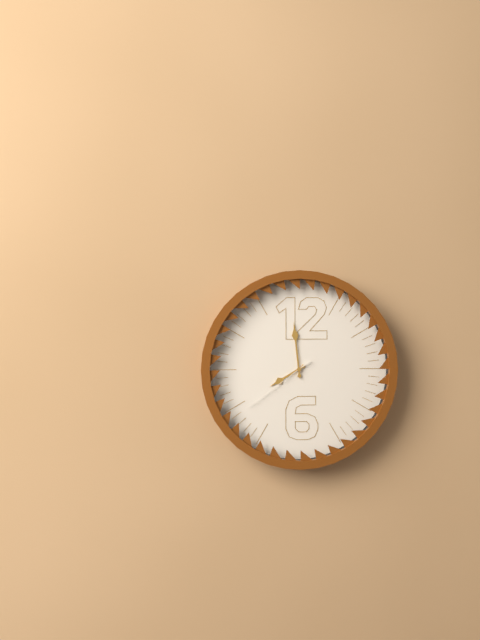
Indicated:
7,59,39
